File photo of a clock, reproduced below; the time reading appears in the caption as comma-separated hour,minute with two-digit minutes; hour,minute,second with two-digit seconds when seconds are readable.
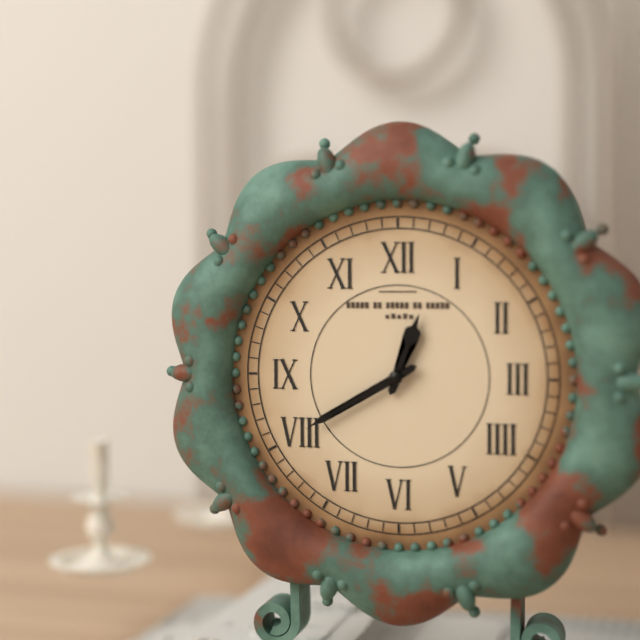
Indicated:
12,40
